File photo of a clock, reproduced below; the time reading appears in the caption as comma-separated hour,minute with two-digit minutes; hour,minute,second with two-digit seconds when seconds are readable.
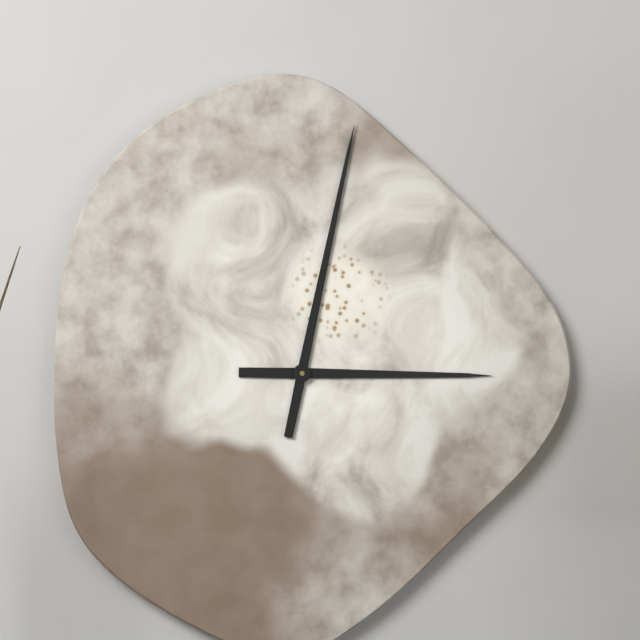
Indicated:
3,02
